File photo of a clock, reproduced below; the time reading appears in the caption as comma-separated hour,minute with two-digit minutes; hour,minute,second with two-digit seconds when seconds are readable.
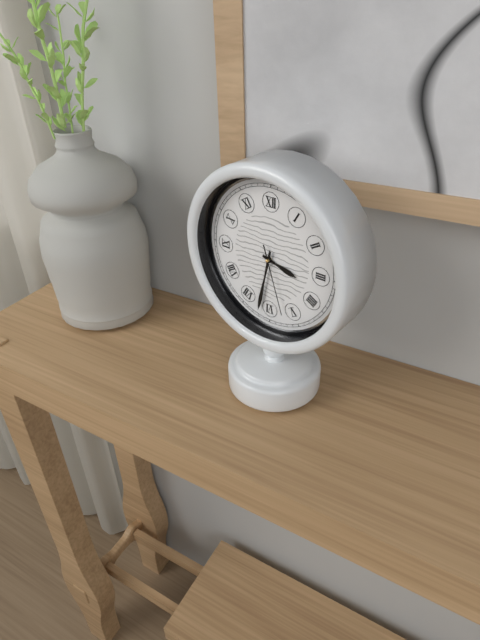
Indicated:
3,32,27
